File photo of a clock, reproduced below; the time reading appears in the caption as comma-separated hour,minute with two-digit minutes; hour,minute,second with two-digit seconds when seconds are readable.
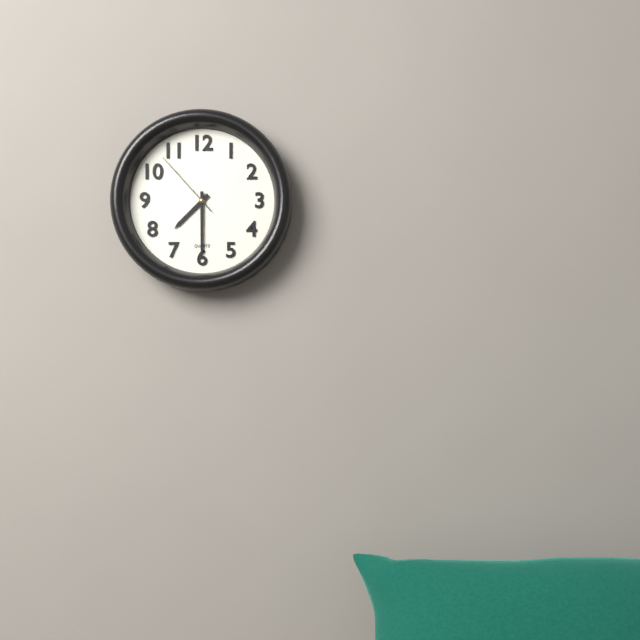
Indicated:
7,30,53
